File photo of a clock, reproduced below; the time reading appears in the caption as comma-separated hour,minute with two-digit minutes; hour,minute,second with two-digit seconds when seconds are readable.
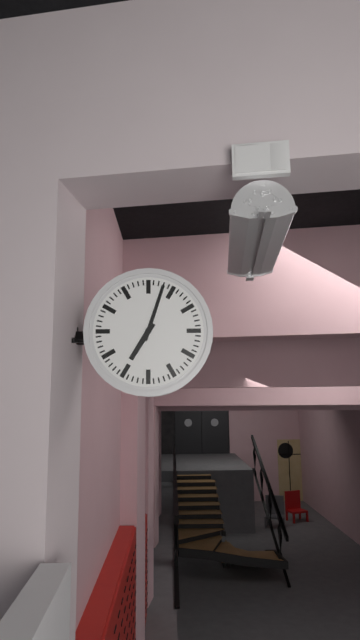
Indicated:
7,03
